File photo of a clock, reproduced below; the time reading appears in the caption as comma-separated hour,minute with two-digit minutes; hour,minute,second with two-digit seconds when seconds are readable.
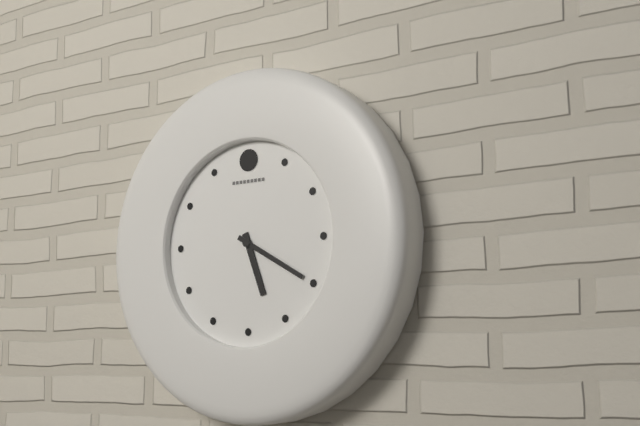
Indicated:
5,20
